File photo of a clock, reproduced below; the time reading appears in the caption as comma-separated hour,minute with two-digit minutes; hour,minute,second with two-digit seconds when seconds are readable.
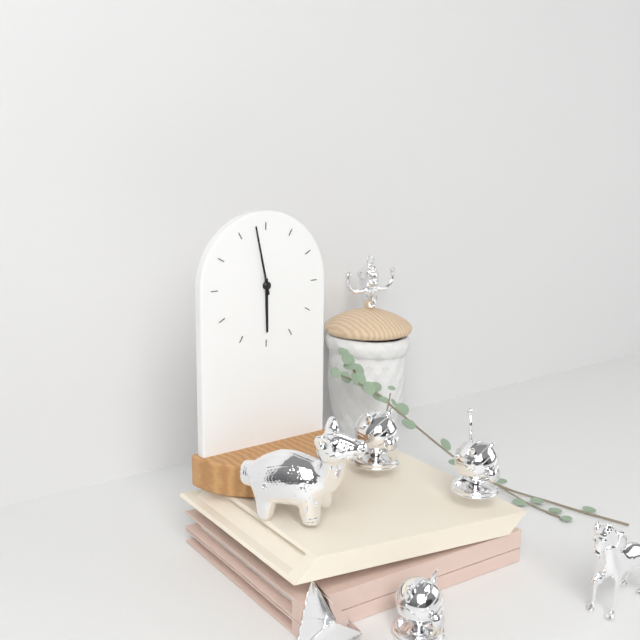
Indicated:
5,58
